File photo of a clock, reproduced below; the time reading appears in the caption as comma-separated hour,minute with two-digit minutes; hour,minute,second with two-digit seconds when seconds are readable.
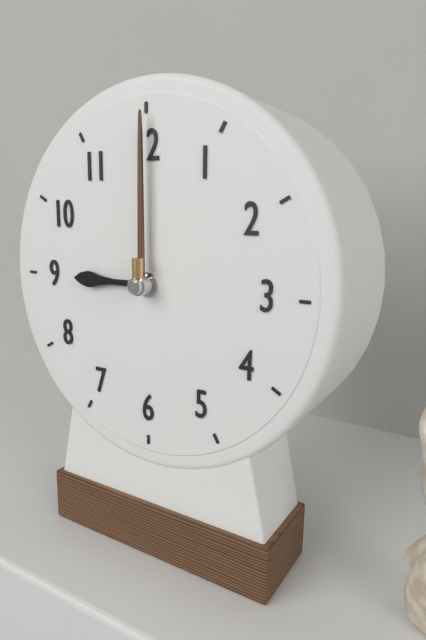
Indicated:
9,00
